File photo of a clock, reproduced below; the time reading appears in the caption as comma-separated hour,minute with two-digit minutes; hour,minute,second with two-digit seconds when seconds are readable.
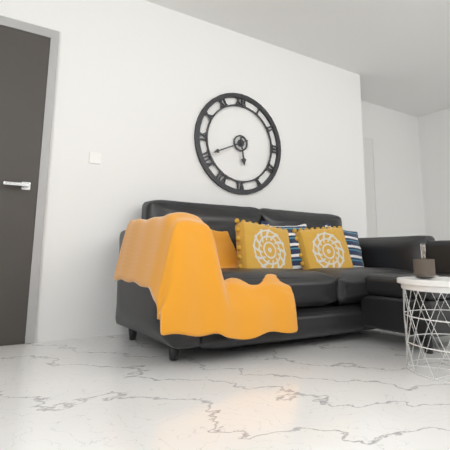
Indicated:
5,41
